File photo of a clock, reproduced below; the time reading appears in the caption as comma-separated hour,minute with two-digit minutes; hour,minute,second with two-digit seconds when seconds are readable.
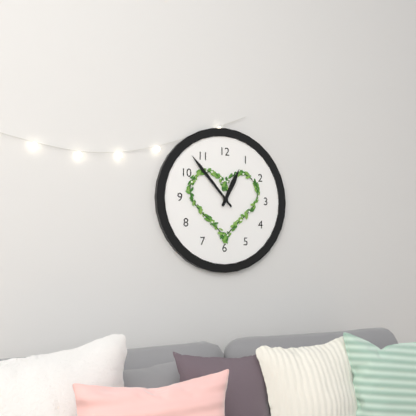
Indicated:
12,53
